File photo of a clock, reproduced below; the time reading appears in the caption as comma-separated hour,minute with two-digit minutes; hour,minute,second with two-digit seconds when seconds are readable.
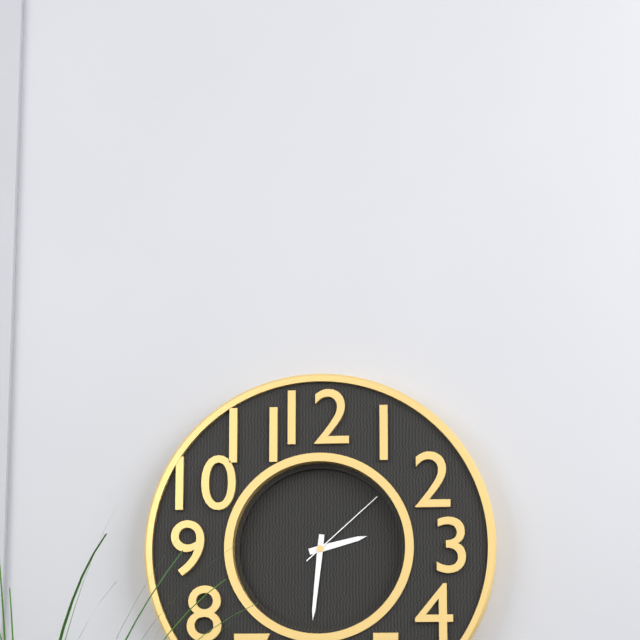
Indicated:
2,31,08
